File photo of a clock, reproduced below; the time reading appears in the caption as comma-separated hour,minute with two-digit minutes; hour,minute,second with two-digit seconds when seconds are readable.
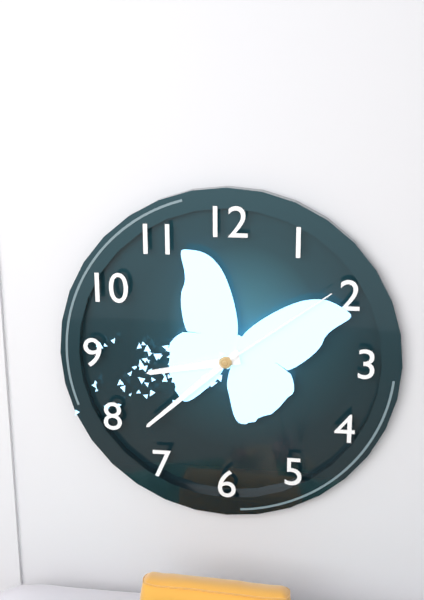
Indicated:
8,38,09
